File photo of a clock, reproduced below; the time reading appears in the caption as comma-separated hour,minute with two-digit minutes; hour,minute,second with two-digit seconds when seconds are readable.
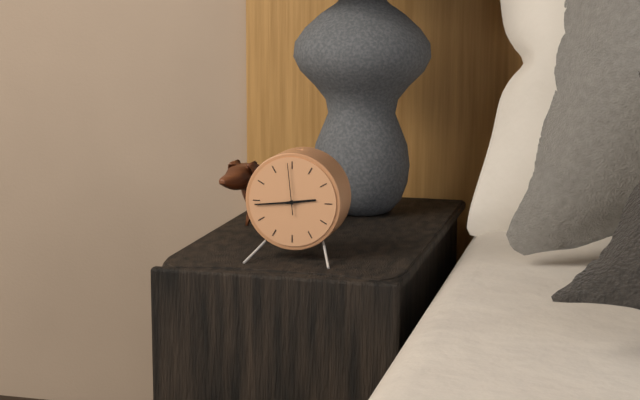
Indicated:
2,44
